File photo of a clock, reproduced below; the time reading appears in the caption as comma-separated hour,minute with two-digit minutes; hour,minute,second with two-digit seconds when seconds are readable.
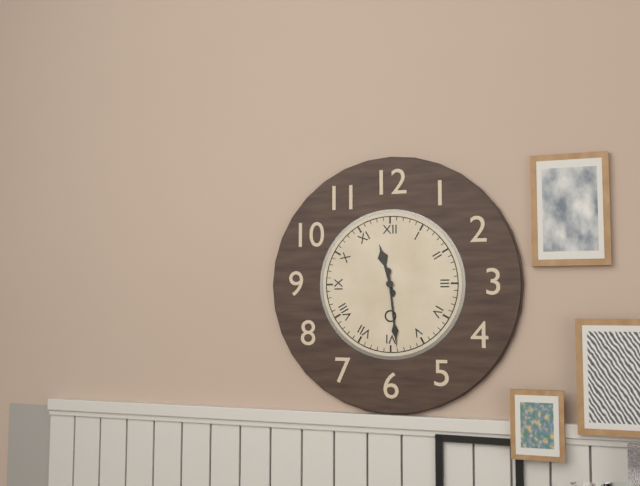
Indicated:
11,29
